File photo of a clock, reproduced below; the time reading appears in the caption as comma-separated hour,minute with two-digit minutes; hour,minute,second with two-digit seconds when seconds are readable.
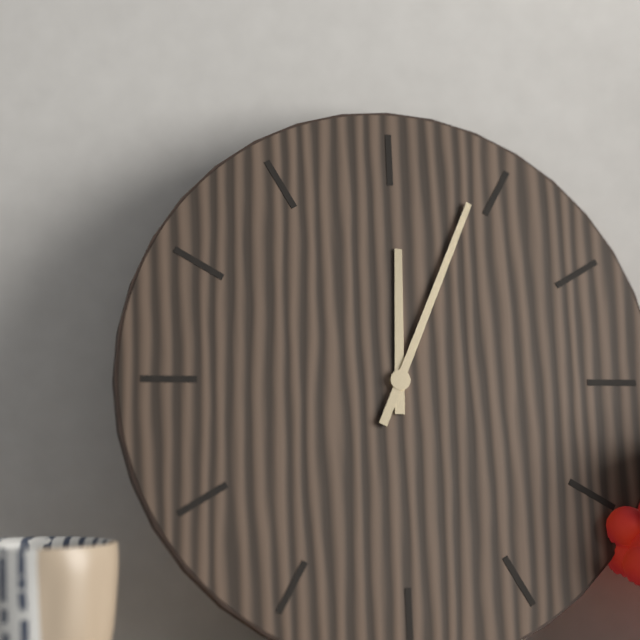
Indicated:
12,04
